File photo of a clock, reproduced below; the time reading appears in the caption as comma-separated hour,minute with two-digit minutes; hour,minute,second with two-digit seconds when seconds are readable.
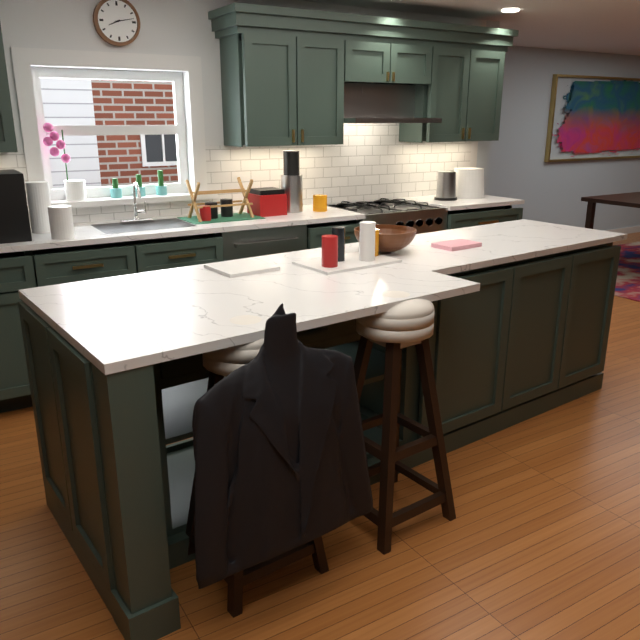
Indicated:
8,13
